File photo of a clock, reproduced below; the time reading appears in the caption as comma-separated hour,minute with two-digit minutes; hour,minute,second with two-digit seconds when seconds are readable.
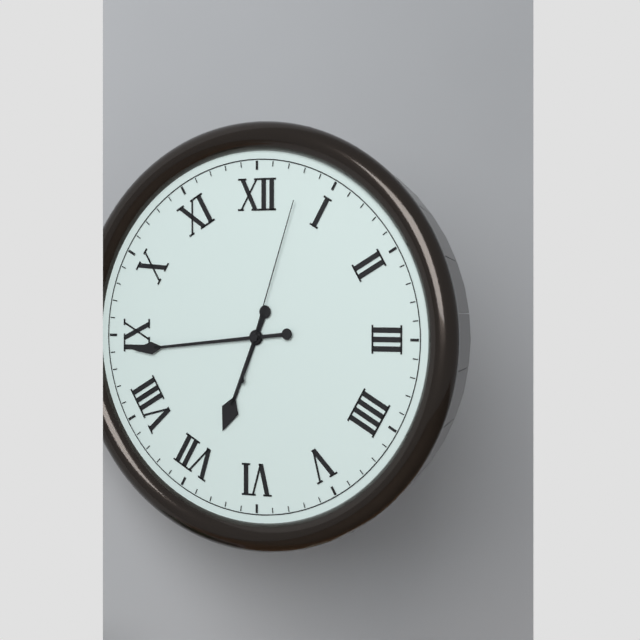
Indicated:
6,44,03
